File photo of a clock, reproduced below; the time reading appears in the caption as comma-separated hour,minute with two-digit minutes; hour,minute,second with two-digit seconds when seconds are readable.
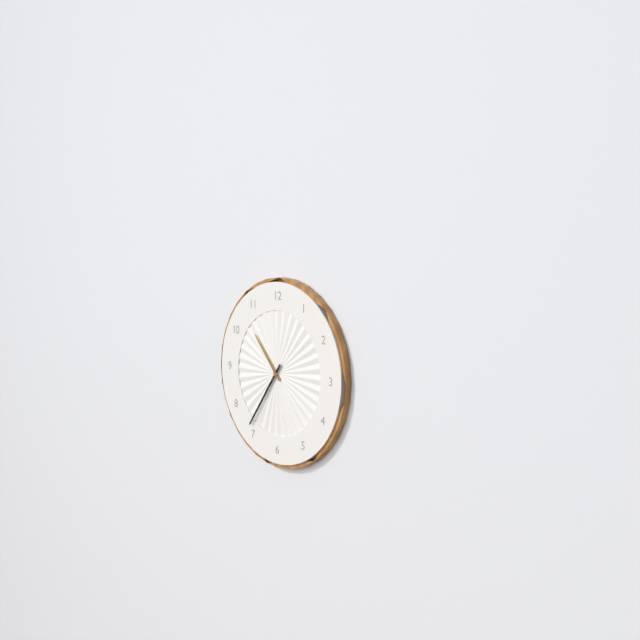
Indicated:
10,36
